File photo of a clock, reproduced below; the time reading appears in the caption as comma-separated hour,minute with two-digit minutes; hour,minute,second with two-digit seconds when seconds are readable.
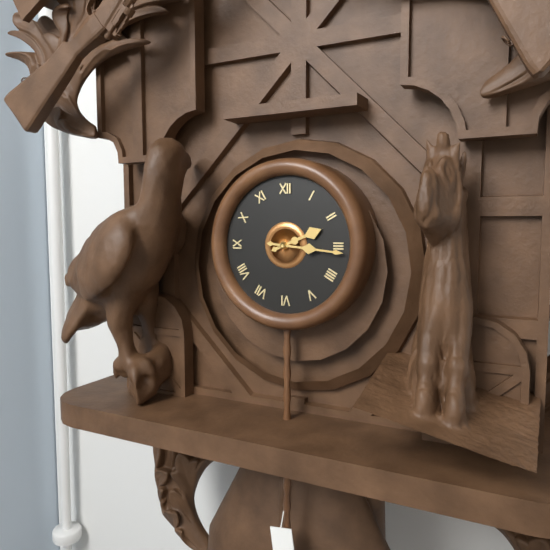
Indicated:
2,16
